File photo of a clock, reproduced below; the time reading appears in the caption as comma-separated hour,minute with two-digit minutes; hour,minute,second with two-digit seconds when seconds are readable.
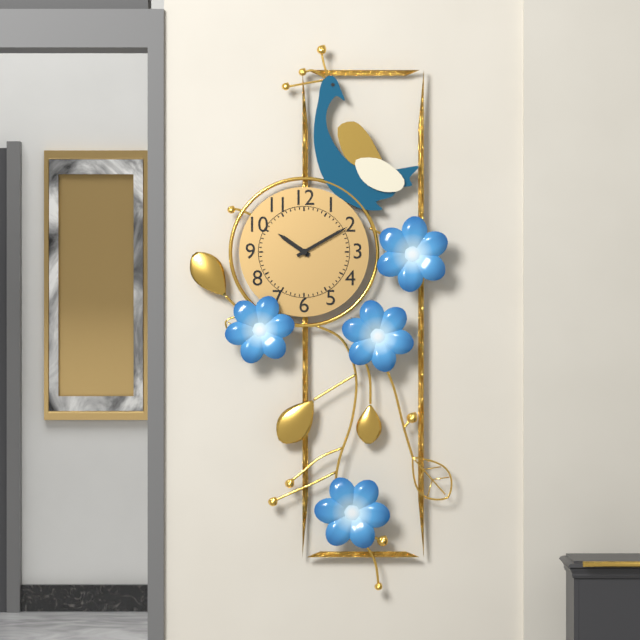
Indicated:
10,10
